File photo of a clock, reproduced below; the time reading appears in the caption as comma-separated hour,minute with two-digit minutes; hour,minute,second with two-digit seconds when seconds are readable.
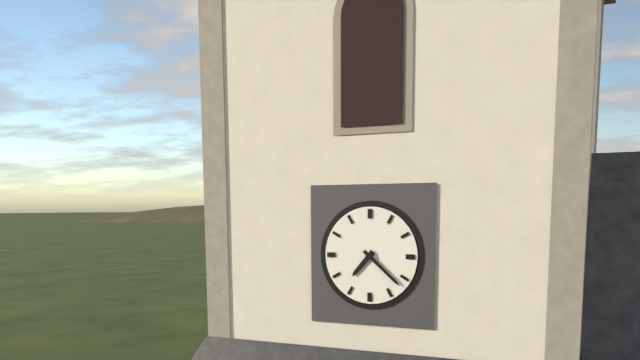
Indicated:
7,22
